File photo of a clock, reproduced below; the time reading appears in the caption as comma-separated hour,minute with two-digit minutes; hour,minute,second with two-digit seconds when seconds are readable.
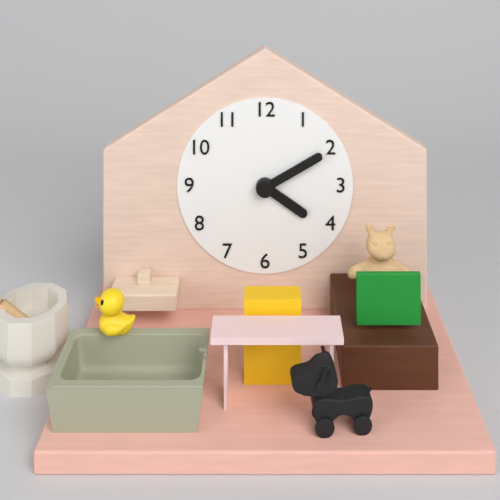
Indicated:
4,10
